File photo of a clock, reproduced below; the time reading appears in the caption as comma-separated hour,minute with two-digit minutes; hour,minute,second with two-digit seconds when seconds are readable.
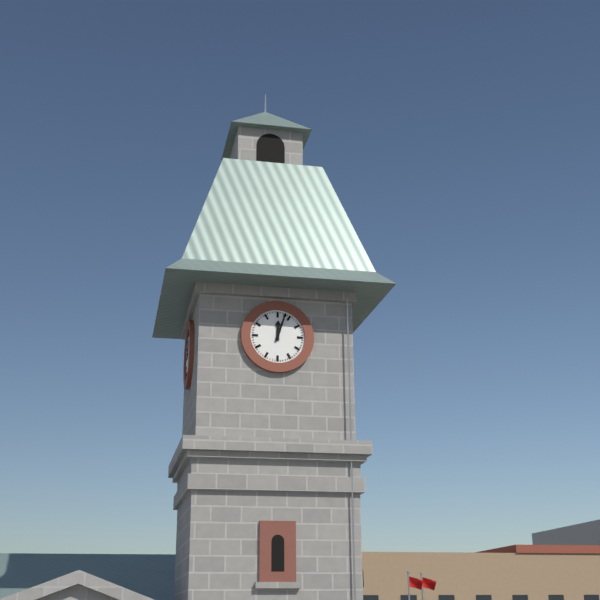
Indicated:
12,03
